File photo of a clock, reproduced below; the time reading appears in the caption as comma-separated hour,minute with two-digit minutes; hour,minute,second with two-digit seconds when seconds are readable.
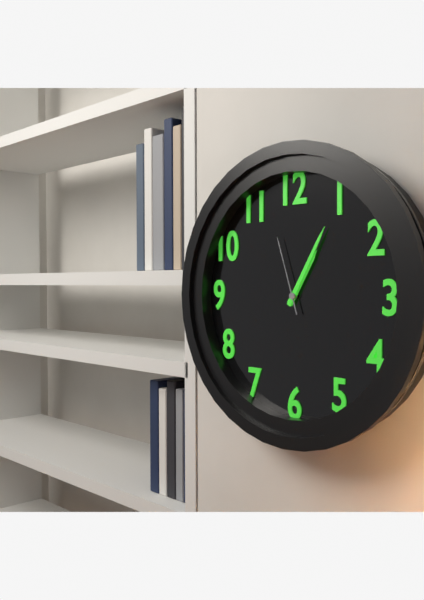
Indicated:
1,05,57
